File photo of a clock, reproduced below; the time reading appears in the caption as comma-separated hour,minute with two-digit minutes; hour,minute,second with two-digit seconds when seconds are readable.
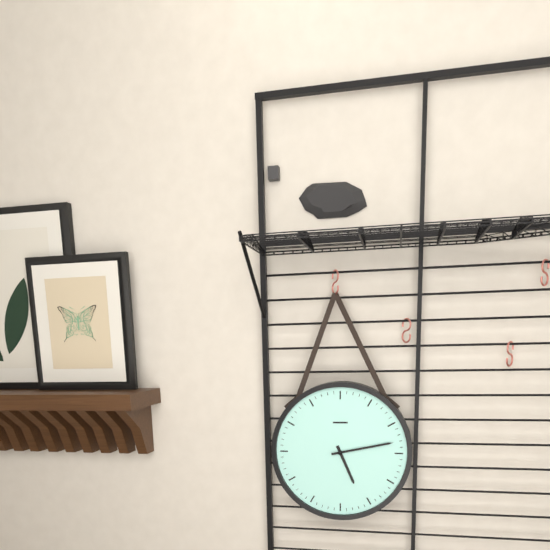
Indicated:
5,13
